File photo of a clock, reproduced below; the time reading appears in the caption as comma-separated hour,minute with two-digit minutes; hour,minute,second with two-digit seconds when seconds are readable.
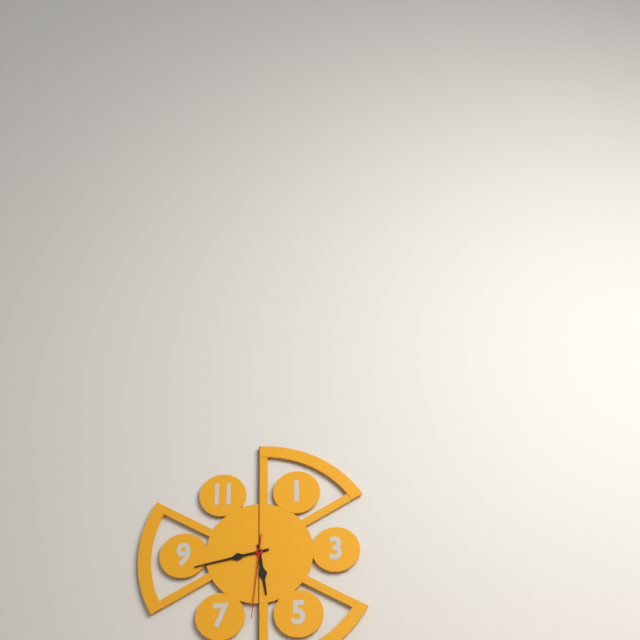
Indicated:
5,43,31
